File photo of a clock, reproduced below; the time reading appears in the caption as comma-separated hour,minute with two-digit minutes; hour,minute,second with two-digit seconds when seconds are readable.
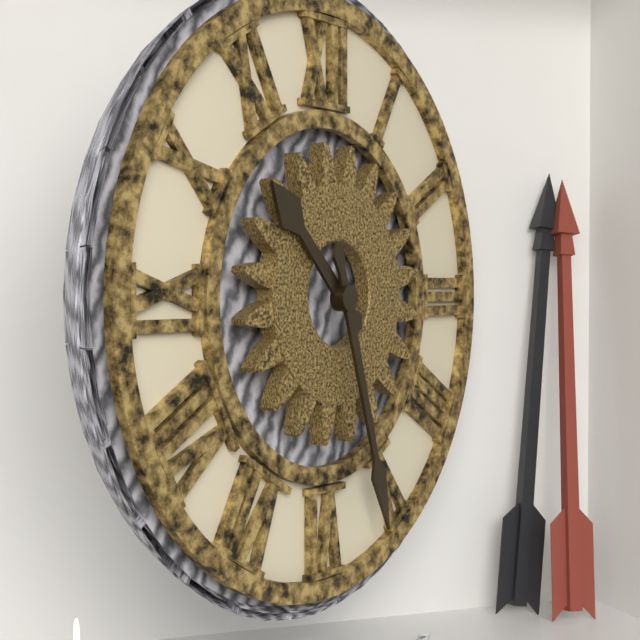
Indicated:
10,27
